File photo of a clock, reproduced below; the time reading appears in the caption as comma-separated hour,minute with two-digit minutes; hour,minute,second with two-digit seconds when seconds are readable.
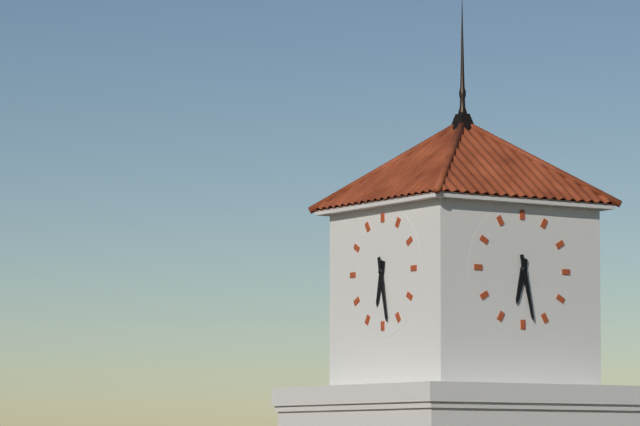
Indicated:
6,28
